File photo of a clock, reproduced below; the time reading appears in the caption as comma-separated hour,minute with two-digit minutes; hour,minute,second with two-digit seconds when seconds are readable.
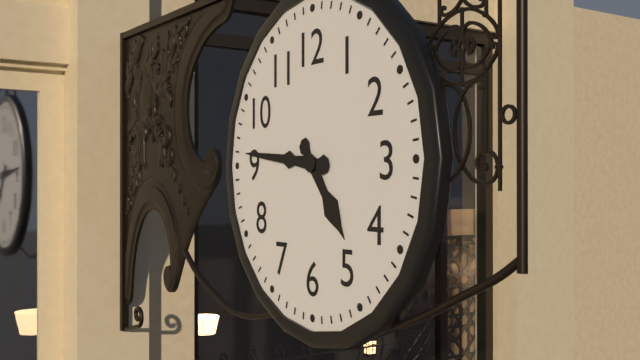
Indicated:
4,46
